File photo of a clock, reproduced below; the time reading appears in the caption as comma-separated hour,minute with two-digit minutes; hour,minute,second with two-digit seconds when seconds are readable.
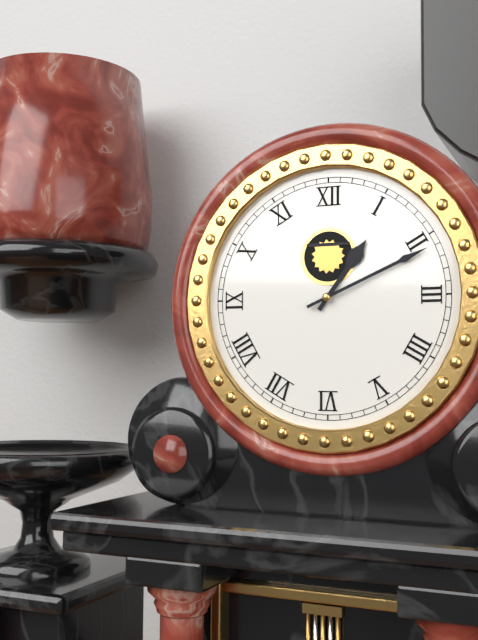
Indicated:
1,11
